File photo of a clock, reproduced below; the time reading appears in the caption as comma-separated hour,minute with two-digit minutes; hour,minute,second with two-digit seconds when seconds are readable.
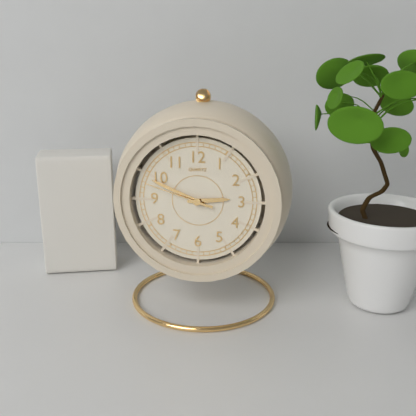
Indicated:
2,49,48
